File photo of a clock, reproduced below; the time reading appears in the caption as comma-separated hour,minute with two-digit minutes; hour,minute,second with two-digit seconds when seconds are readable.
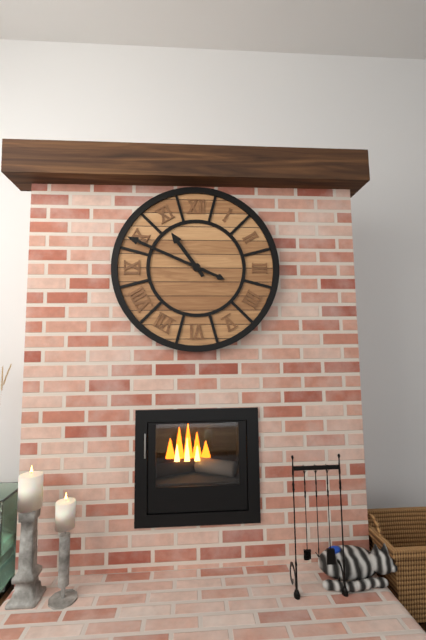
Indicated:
10,49
